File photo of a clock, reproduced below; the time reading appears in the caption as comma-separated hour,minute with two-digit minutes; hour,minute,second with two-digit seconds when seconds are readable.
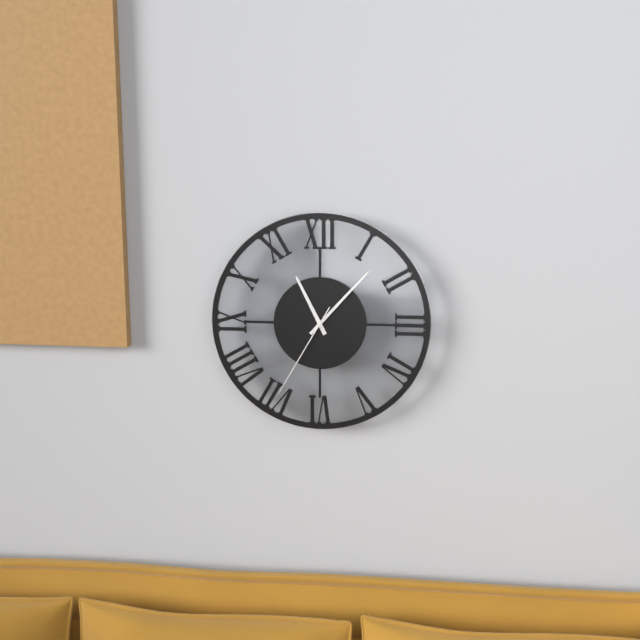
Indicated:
11,07,35
